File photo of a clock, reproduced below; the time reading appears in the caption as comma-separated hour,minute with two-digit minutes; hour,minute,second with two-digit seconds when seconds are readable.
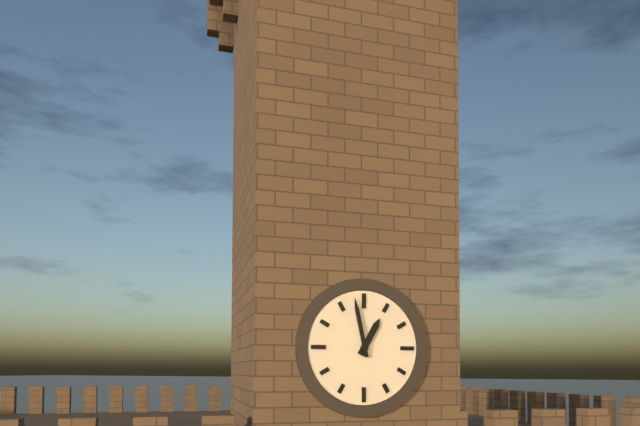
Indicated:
12,58
